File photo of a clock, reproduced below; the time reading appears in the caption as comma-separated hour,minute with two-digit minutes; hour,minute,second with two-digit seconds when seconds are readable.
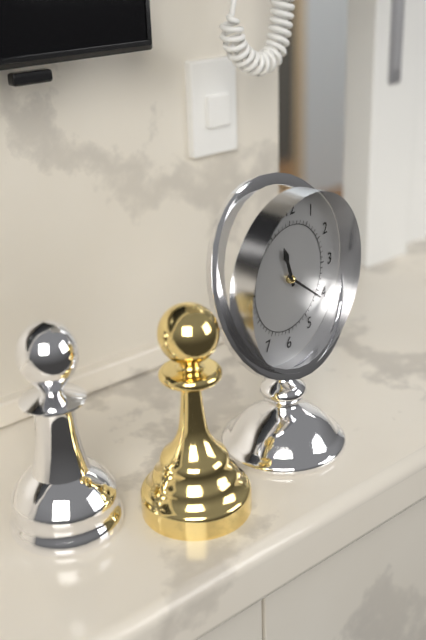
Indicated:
11,21
